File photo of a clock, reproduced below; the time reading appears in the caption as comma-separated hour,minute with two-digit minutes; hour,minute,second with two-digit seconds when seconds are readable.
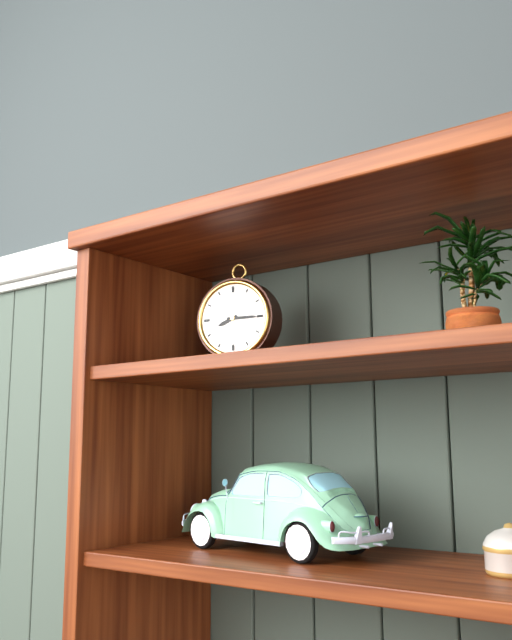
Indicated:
8,15
